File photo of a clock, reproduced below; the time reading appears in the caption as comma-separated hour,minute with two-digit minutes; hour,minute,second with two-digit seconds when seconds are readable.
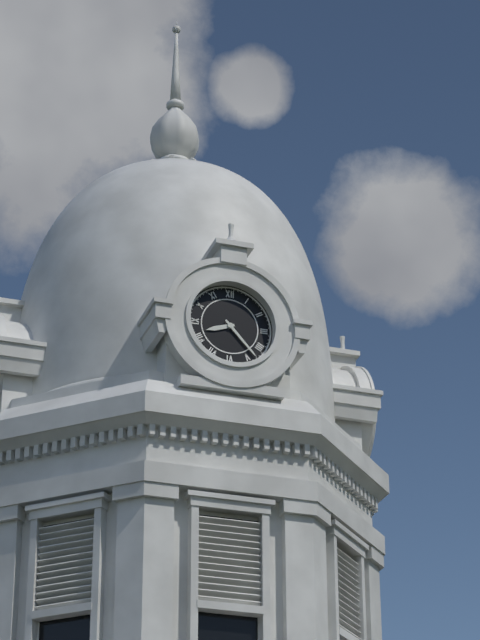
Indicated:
8,23
